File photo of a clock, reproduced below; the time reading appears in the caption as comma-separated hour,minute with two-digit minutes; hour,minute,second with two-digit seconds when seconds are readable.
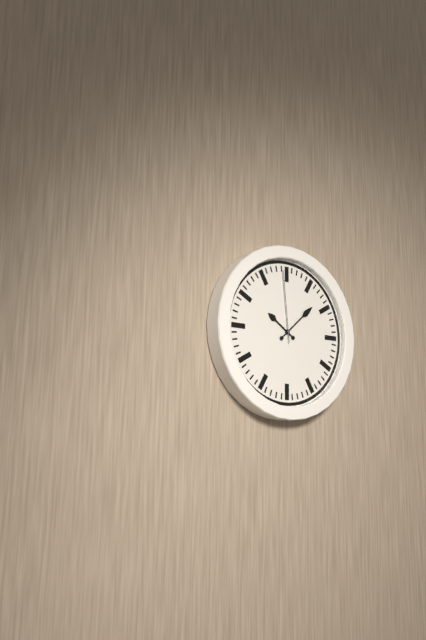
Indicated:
10,08,59
